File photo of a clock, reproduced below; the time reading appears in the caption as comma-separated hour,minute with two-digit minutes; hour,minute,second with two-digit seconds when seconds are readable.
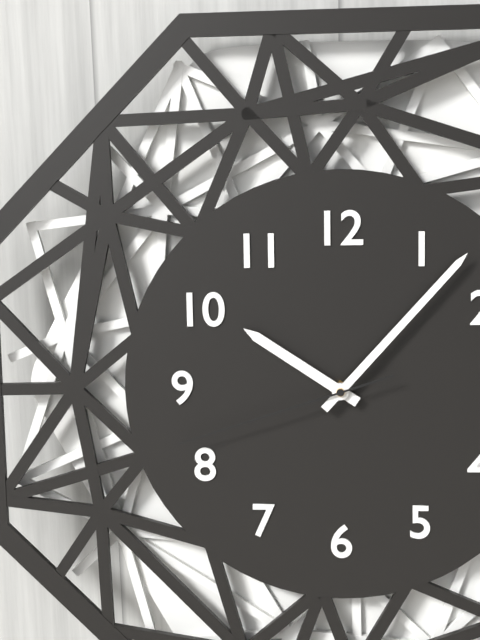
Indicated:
10,07,42
